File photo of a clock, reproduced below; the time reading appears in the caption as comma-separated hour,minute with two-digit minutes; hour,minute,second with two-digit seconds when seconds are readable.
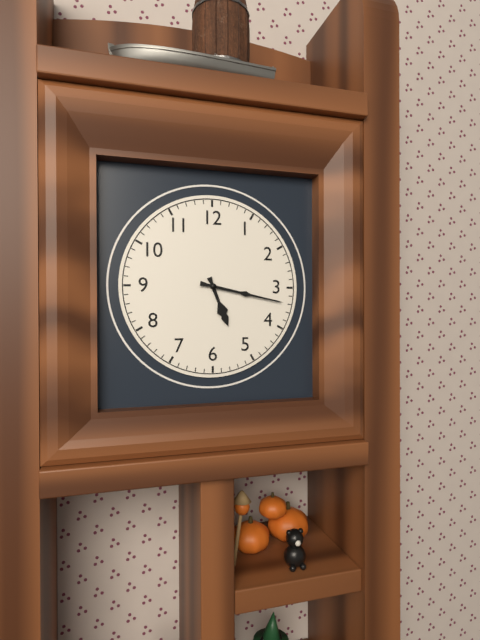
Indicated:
5,17
